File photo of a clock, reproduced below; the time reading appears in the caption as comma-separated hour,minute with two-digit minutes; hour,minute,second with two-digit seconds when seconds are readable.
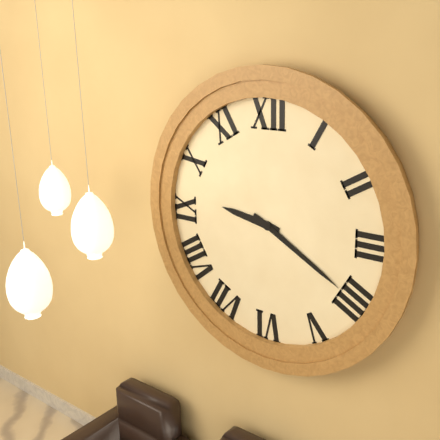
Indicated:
9,20
